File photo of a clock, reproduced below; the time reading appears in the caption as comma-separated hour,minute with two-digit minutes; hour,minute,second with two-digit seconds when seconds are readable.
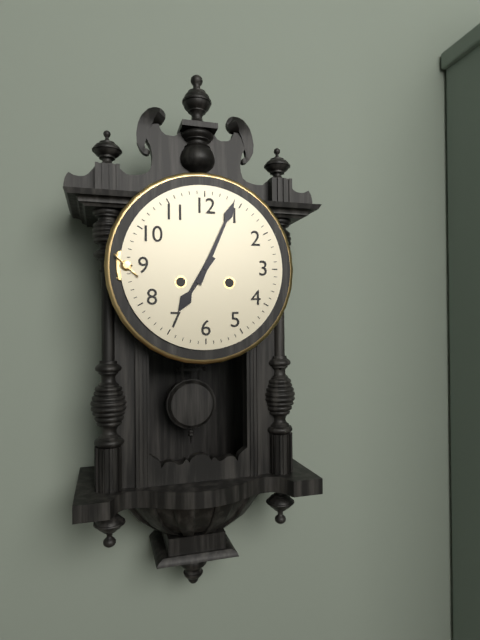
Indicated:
7,04
